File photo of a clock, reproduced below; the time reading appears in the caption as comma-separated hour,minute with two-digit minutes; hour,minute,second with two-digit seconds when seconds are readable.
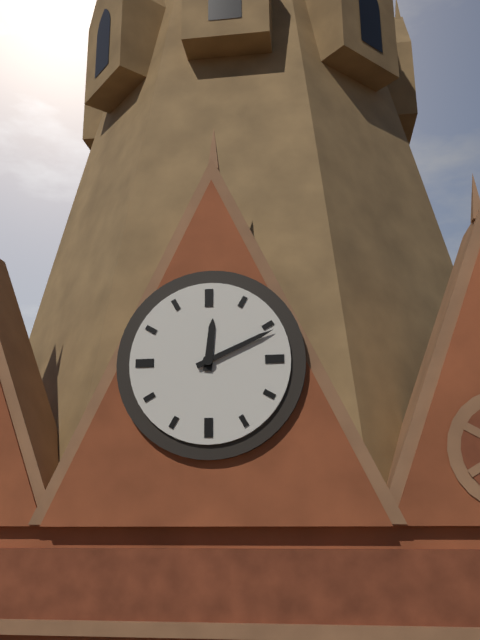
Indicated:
12,11
